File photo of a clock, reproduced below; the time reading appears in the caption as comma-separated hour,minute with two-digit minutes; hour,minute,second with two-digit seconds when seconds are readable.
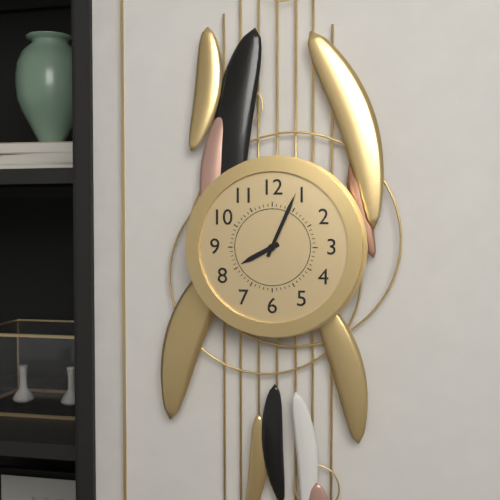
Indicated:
8,04
